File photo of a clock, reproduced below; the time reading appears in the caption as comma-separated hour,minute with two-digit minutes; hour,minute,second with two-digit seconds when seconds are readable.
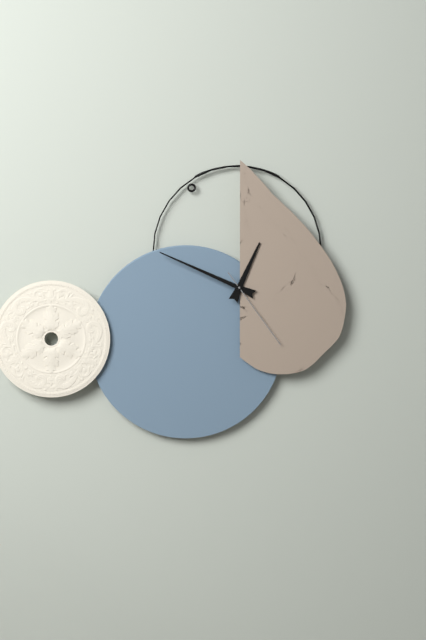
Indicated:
12,49,24
